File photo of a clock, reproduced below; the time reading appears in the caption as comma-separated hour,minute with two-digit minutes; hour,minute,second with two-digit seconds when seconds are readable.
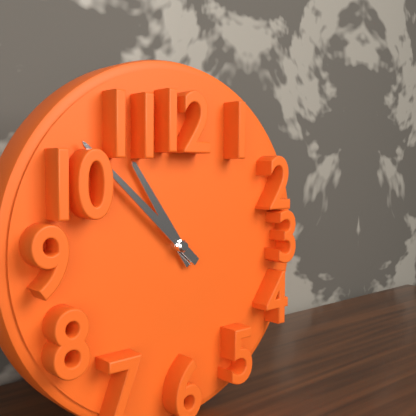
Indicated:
10,52
